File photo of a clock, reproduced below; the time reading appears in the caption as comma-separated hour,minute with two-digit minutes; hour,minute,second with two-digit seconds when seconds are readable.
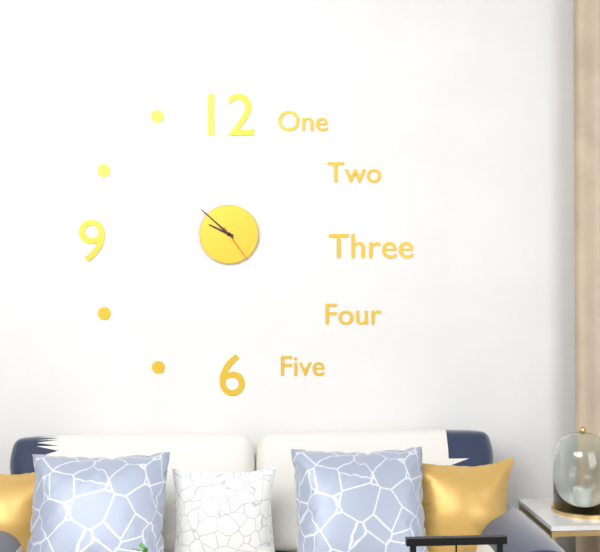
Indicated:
9,52
